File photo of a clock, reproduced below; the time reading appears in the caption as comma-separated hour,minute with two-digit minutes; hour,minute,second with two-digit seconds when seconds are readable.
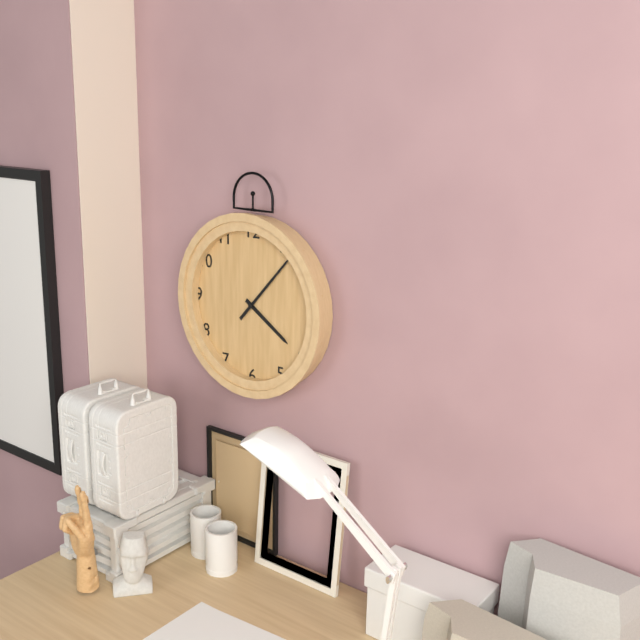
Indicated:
4,07
